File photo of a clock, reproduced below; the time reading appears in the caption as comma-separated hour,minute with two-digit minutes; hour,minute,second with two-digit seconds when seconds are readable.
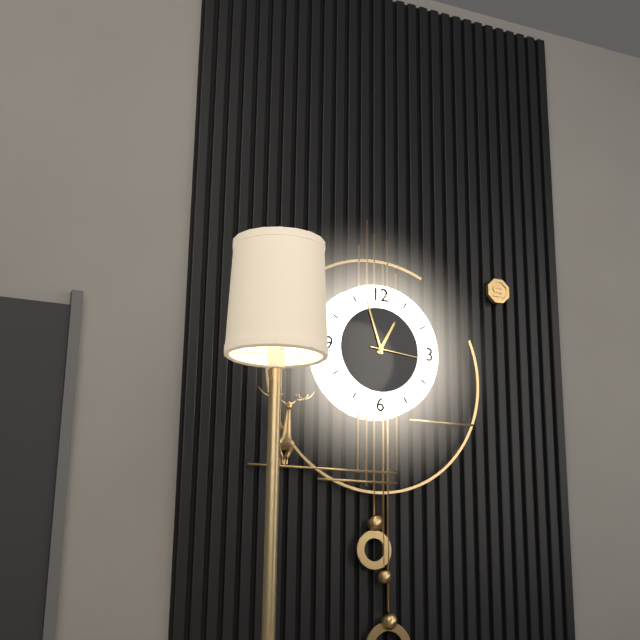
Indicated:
12,57,16
